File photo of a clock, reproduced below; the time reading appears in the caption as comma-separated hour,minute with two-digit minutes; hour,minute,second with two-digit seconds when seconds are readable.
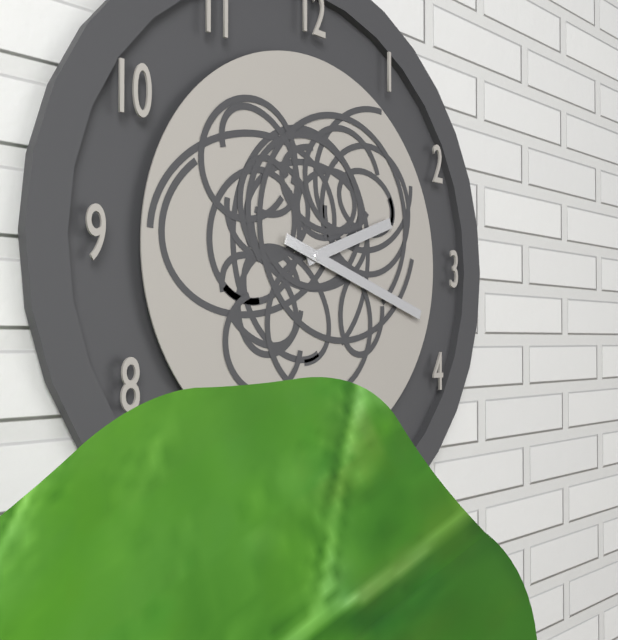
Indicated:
2,18
